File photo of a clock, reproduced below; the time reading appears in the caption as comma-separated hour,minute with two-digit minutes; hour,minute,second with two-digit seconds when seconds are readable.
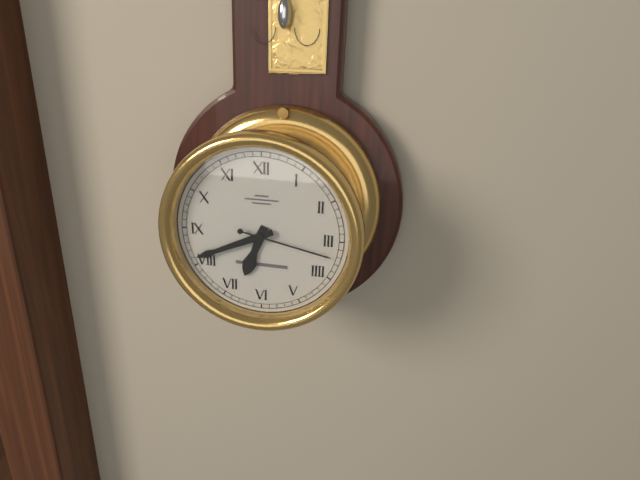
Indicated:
6,41,17
